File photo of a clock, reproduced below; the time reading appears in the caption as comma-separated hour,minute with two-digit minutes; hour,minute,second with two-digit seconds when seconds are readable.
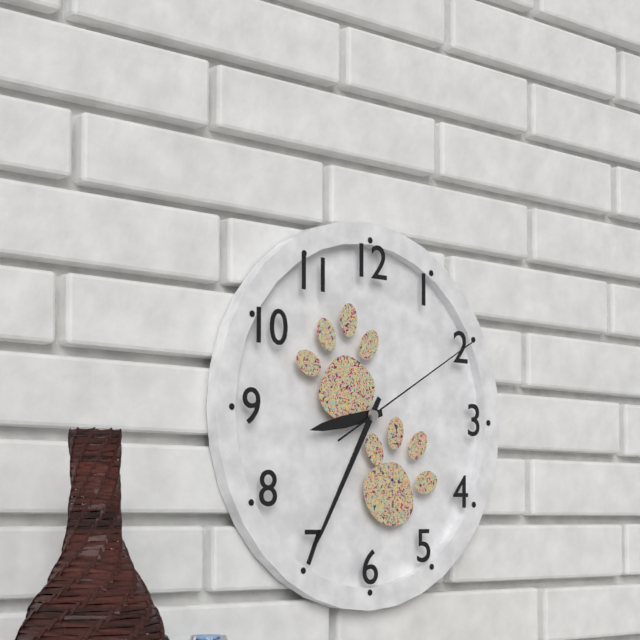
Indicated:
8,35,10
